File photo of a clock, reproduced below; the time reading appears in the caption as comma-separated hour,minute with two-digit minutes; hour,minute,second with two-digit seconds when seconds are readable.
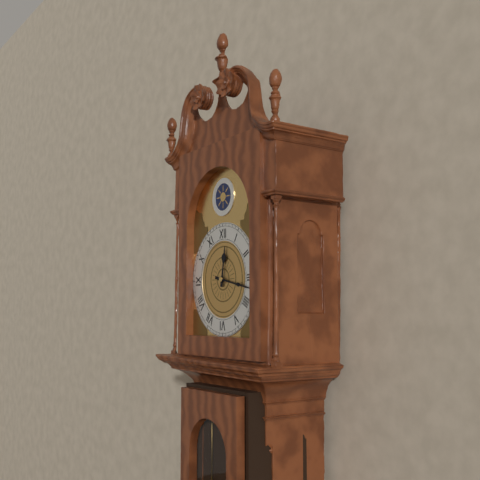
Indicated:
12,17
